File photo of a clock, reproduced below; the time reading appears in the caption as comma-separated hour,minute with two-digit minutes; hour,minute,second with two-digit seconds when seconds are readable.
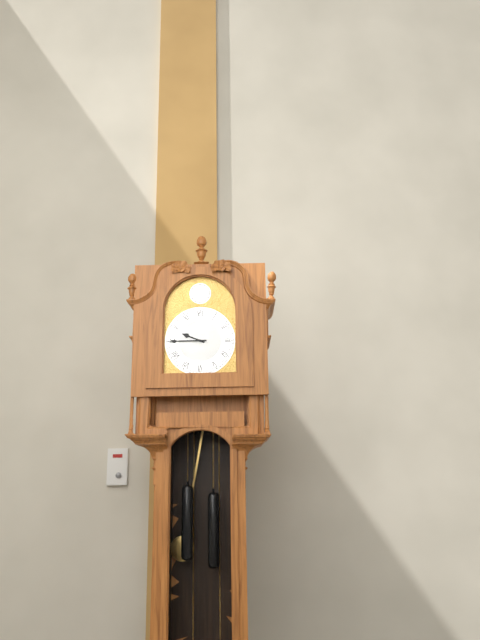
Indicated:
9,45
